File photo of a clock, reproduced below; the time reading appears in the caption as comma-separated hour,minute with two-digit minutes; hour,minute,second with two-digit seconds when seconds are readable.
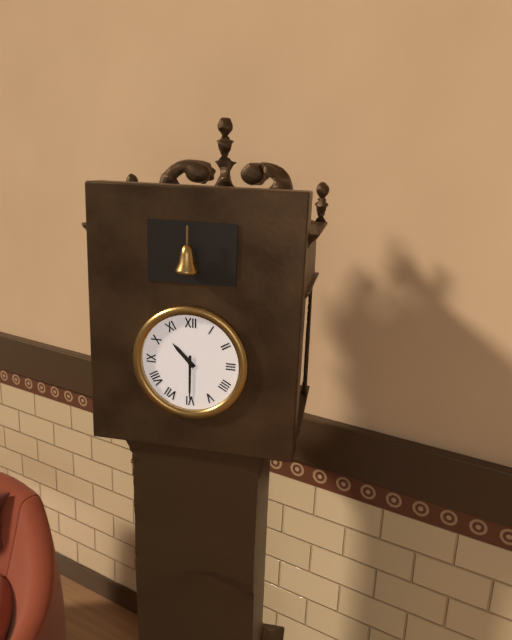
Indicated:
10,30
